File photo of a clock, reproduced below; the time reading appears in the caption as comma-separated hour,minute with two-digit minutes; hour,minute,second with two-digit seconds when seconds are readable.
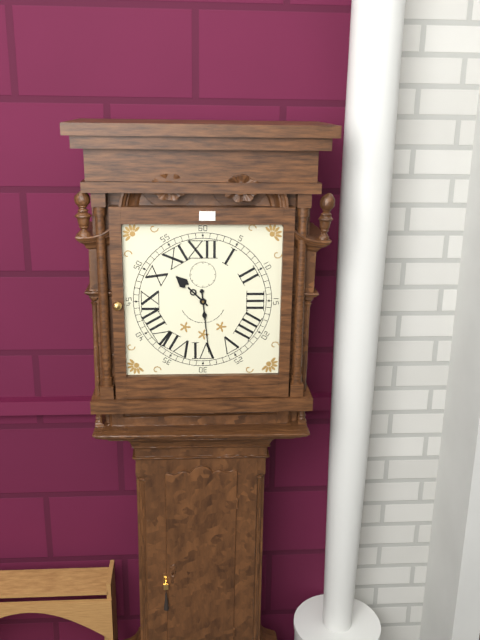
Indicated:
10,29
